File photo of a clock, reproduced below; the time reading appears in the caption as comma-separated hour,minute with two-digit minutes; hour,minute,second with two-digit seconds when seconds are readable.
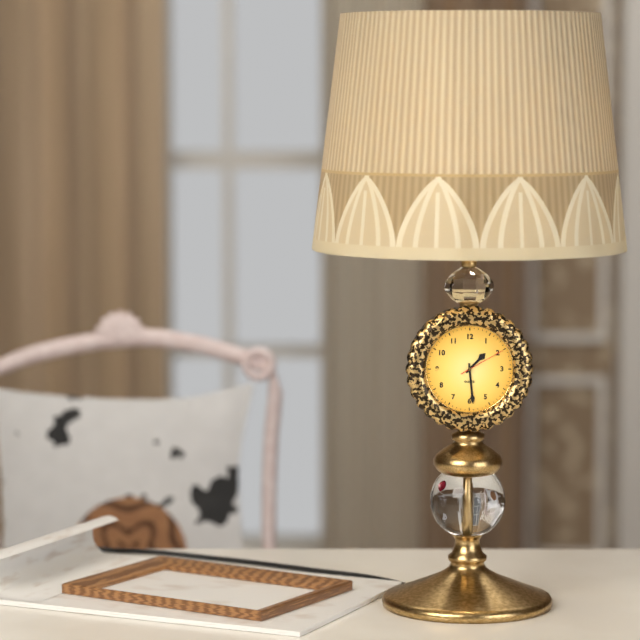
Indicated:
1,29
